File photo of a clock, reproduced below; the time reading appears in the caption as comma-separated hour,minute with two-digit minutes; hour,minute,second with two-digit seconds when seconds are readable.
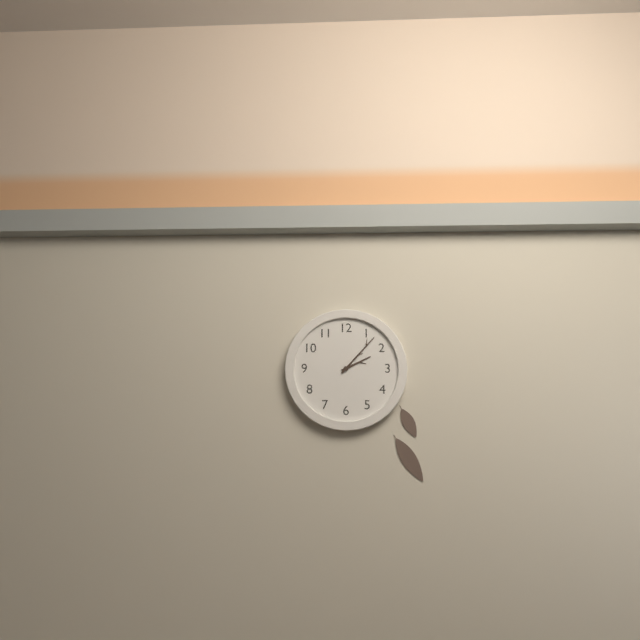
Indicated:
2,07
